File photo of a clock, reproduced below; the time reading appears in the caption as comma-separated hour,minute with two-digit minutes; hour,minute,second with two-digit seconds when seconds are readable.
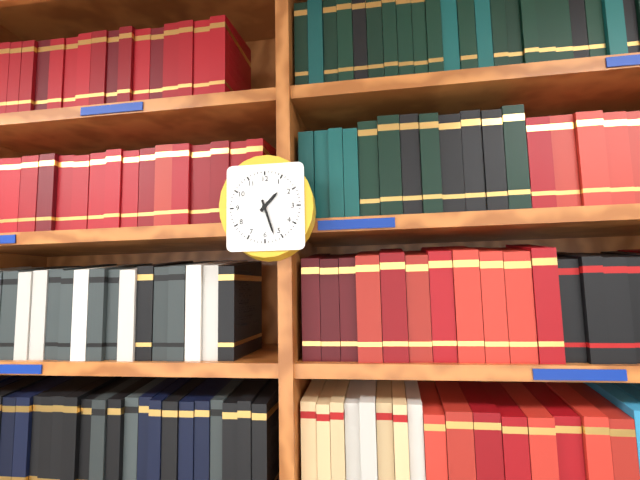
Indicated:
1,27
